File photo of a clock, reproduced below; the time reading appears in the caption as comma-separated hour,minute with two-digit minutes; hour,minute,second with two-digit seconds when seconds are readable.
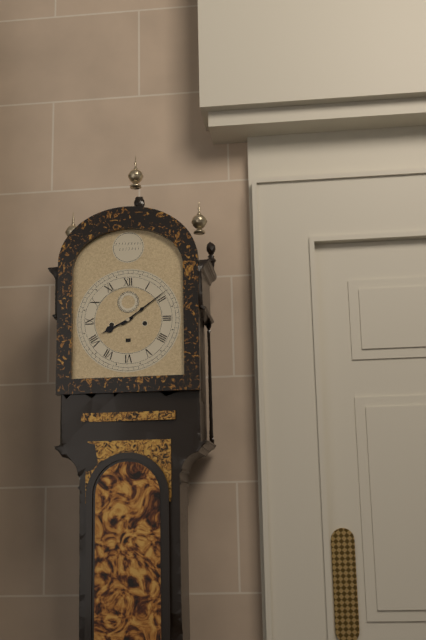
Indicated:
8,09
